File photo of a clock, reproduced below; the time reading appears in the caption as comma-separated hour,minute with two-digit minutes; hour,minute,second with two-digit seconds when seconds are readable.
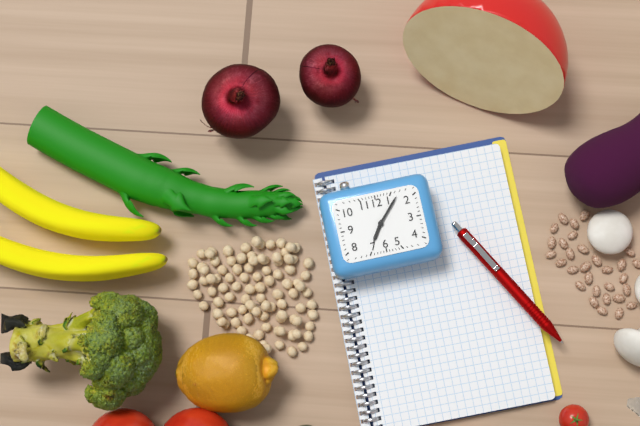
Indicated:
7,07
